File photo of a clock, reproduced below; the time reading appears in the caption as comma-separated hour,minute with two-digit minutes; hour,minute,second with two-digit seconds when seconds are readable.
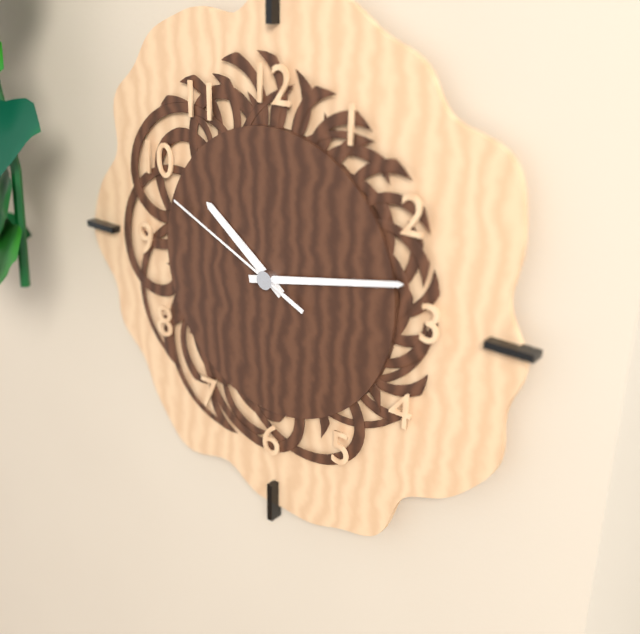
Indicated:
10,13,49
